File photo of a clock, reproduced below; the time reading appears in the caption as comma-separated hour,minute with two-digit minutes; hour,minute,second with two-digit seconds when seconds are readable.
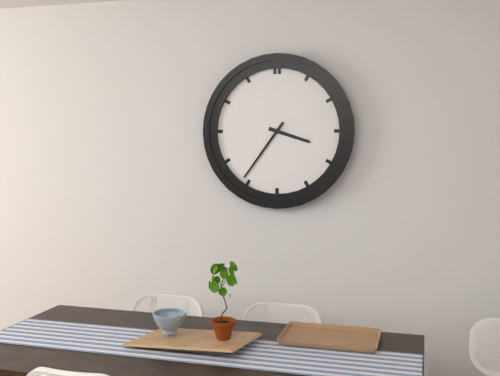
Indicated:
3,36
